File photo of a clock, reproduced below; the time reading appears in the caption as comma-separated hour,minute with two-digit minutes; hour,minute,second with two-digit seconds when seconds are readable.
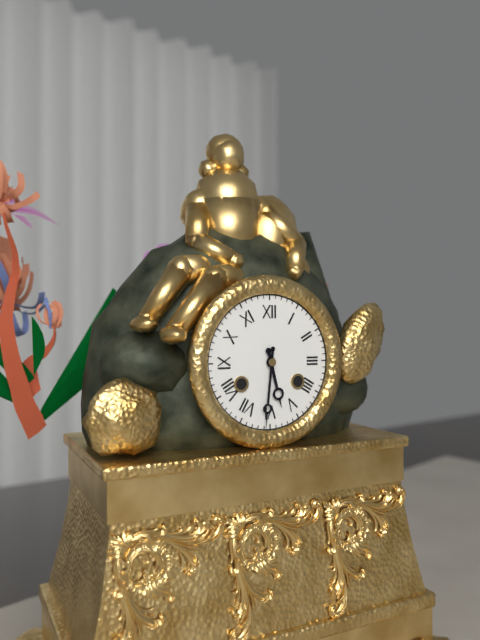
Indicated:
5,31
